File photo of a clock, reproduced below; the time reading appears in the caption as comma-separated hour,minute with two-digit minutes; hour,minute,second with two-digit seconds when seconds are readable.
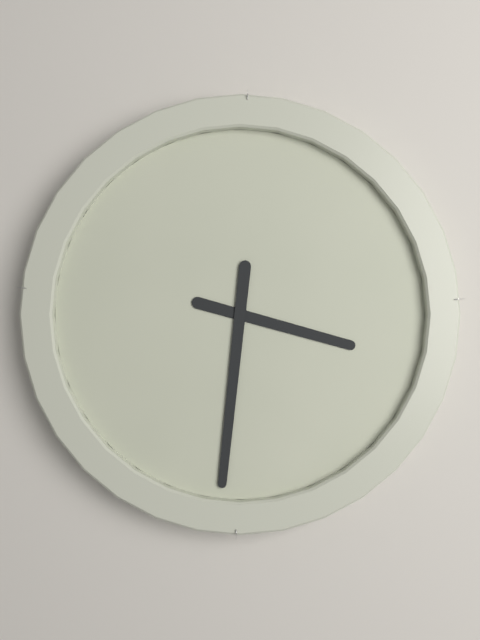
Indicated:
3,31
